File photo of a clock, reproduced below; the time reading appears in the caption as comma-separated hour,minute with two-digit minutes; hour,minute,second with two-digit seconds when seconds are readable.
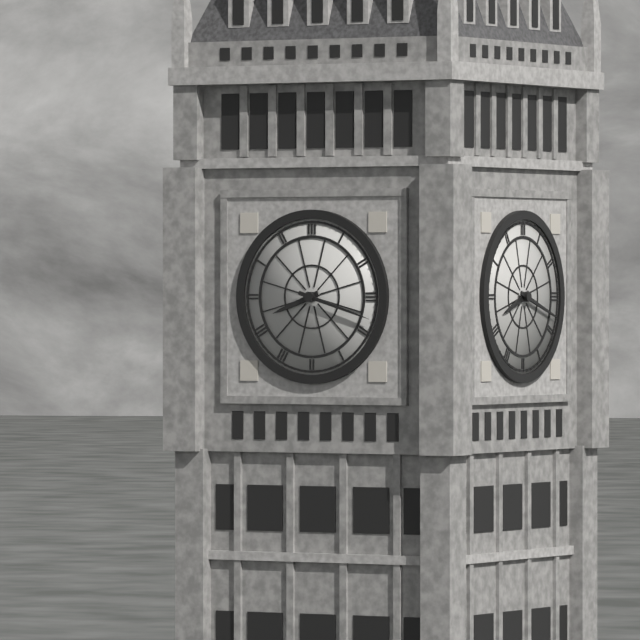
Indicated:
8,18
